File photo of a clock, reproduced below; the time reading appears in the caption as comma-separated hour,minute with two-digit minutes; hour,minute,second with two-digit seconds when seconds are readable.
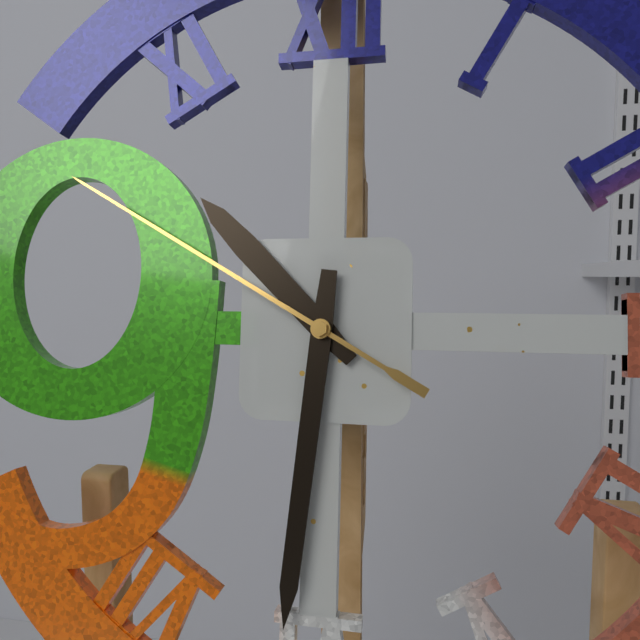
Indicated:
10,31,50
